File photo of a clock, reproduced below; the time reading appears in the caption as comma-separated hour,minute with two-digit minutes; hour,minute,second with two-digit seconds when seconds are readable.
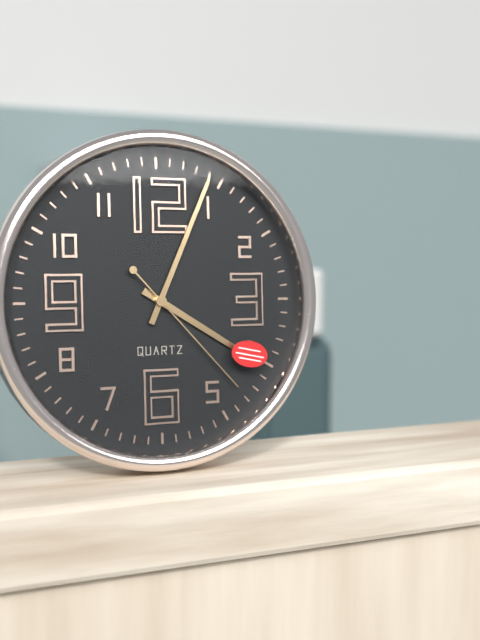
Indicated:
4,04,23
